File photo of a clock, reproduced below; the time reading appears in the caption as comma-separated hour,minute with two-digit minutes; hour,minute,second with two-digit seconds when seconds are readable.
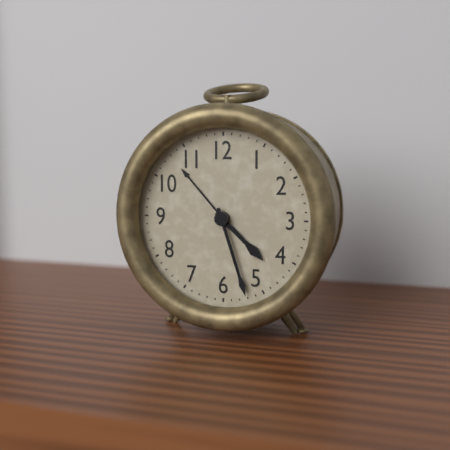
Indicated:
4,27
